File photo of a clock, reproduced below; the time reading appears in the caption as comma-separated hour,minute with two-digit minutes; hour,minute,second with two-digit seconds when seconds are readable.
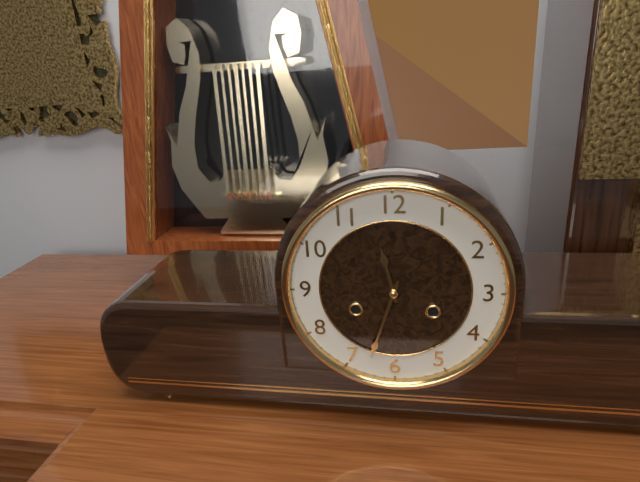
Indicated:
11,33
